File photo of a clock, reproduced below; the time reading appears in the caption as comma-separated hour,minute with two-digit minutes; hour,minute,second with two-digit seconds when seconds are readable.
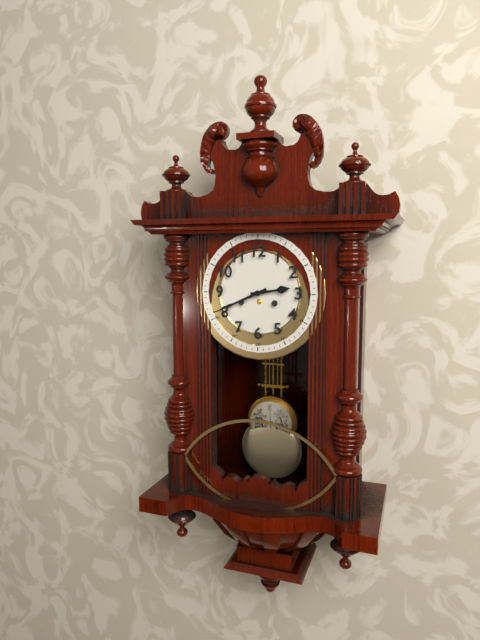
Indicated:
2,41
